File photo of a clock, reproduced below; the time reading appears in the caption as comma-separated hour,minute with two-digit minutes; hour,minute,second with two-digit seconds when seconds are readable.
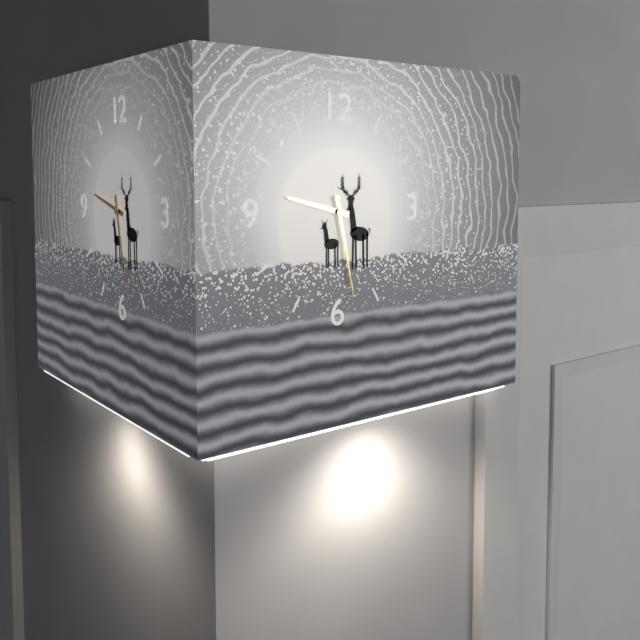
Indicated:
9,28
